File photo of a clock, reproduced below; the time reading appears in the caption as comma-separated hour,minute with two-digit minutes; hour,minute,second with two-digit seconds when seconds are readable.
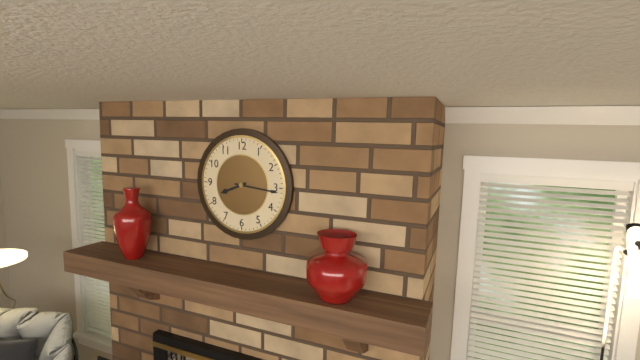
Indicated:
8,16
